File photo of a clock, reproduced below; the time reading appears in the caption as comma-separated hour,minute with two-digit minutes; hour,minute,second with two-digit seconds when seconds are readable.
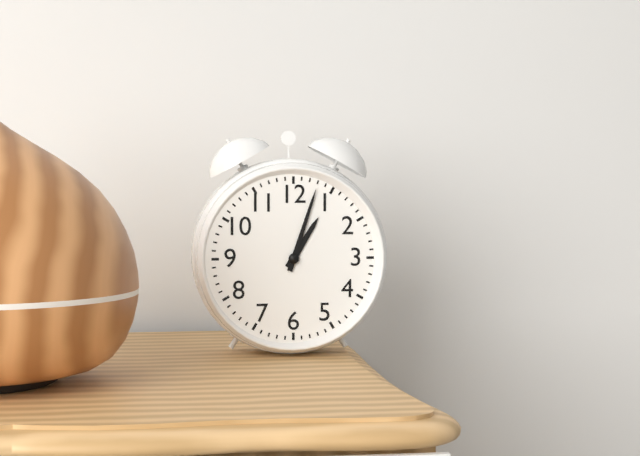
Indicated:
1,03
